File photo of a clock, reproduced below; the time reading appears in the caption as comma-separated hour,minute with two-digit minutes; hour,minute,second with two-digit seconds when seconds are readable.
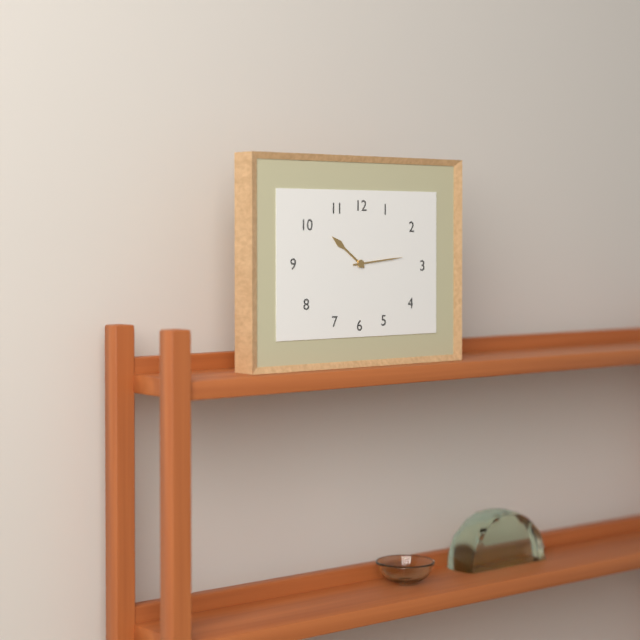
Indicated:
10,14
